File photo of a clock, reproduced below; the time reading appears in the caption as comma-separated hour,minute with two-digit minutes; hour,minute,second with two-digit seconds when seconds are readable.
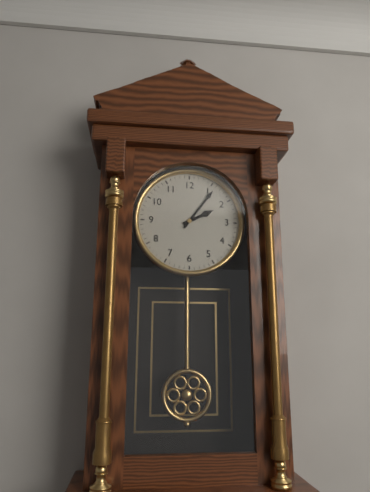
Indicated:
2,06
